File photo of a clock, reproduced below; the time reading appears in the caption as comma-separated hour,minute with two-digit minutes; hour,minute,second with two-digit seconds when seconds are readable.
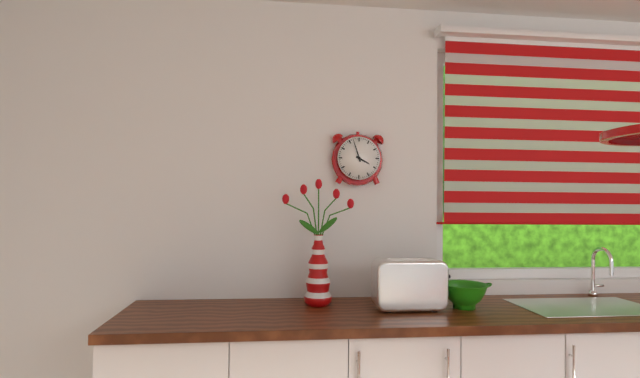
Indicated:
3,57
